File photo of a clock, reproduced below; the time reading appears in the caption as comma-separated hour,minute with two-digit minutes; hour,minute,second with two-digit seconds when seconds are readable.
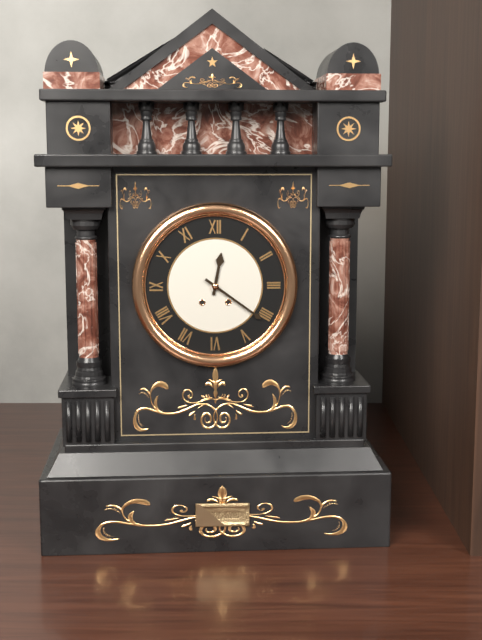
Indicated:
12,21
